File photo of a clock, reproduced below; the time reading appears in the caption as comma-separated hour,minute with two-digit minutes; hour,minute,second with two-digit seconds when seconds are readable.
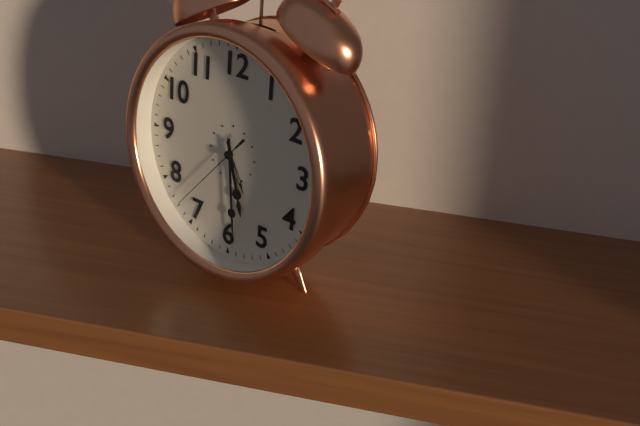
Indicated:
5,29,37
